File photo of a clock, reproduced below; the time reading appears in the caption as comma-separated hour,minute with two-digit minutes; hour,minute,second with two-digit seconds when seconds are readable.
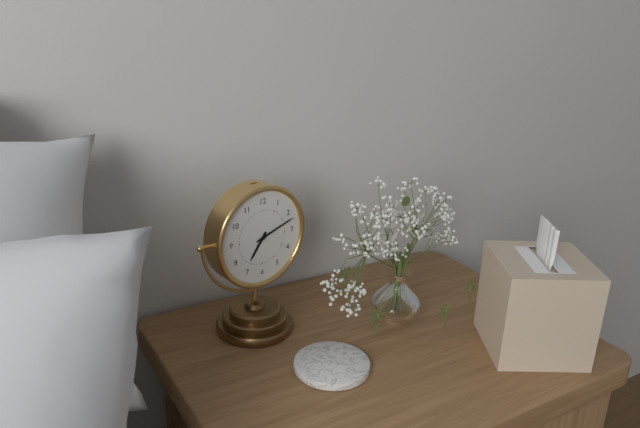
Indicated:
7,12
